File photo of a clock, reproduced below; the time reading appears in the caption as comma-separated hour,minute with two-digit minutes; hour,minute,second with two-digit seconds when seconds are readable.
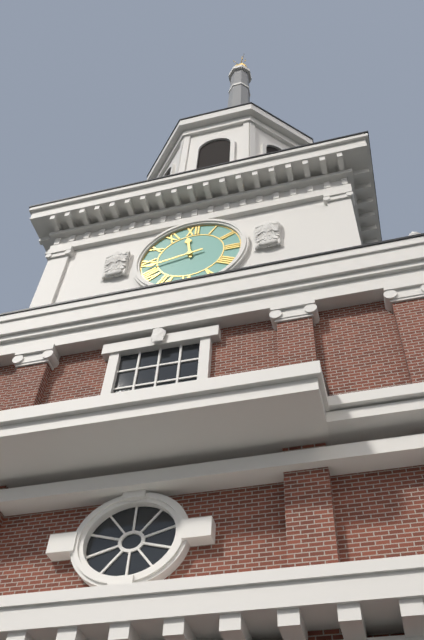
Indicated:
11,43
